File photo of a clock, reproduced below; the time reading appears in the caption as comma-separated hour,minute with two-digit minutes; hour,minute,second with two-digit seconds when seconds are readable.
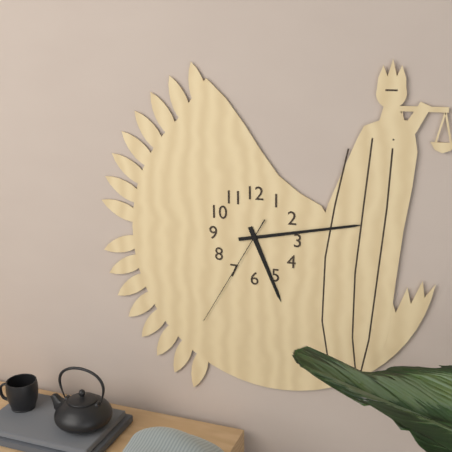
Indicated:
5,13,35
